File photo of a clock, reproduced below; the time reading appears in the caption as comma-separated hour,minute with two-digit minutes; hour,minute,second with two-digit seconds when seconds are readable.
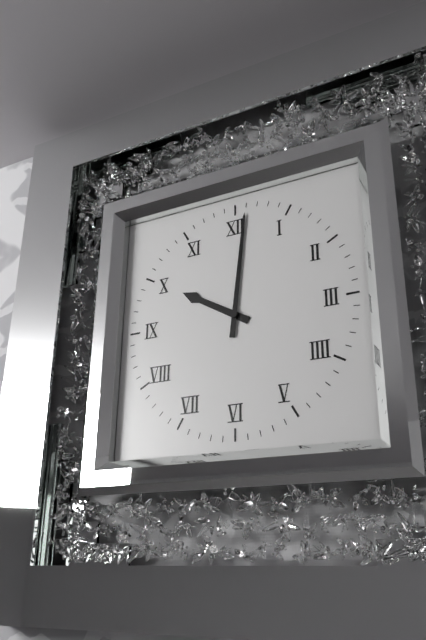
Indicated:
10,01
